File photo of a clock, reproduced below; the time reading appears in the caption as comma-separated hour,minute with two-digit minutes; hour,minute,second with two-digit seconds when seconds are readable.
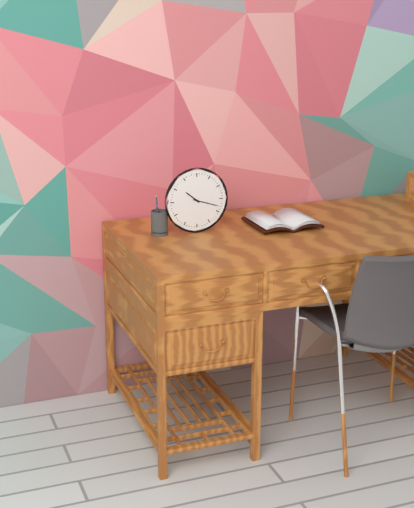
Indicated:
10,18
